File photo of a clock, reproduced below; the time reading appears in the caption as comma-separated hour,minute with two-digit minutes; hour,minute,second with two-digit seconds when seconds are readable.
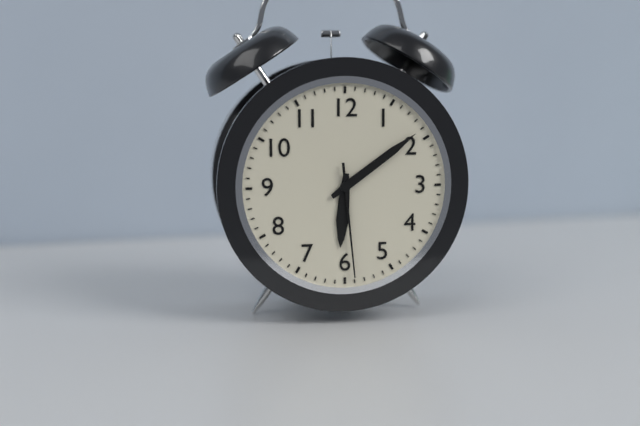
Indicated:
6,09,29
